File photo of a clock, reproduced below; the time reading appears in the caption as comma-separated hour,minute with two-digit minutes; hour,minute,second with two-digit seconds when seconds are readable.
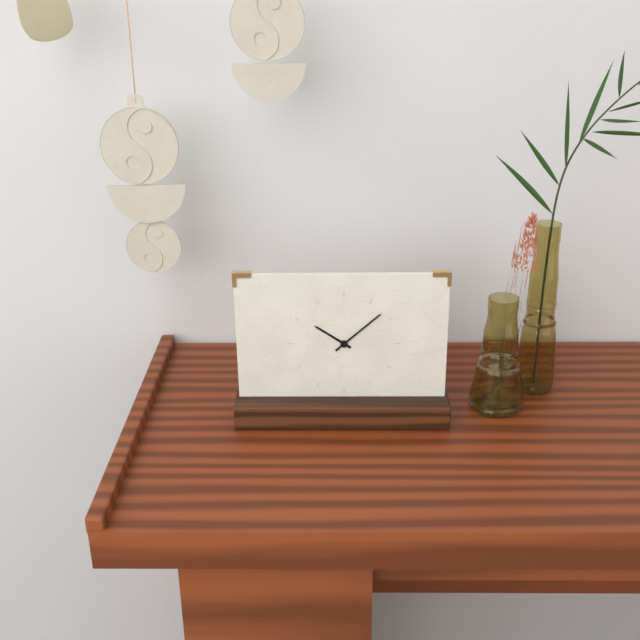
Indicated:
10,08
